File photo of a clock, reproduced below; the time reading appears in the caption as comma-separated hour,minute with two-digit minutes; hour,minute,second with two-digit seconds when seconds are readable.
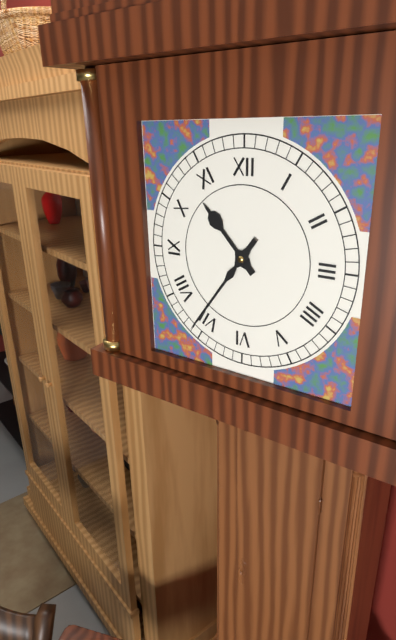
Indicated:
10,36
